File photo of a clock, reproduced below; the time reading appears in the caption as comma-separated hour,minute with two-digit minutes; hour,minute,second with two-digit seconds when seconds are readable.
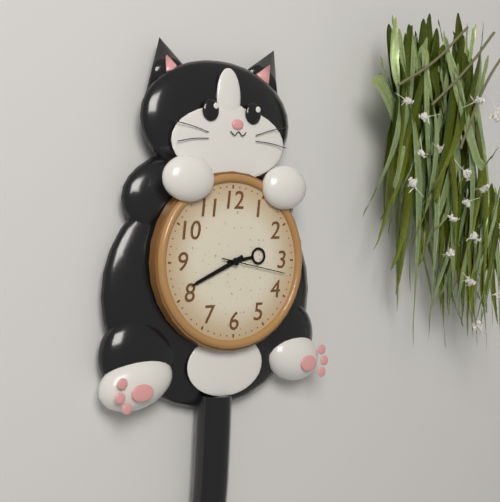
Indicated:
2,41,17
